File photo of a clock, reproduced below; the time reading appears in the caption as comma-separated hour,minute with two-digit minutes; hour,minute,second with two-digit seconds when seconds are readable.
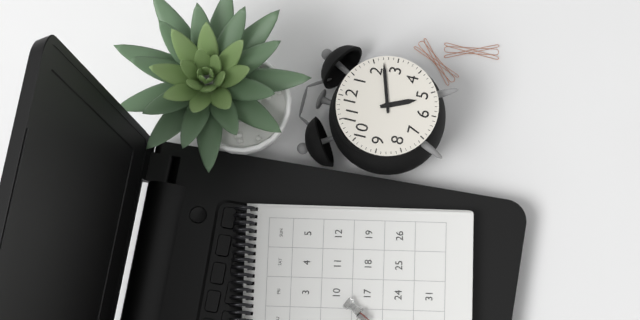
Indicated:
5,12
